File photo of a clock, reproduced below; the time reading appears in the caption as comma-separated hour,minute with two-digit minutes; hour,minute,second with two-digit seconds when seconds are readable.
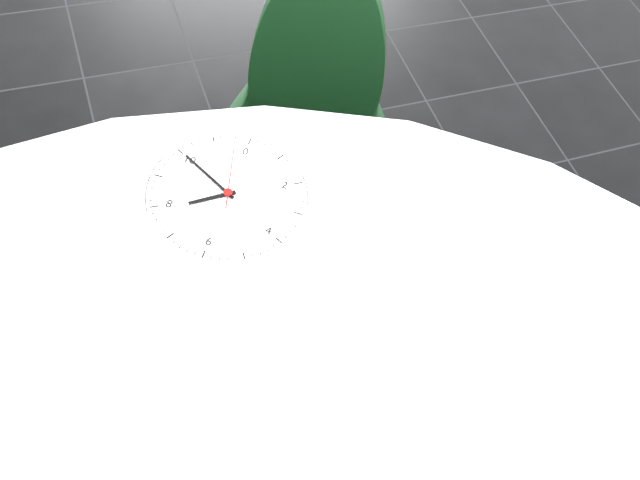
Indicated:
7,50,58
